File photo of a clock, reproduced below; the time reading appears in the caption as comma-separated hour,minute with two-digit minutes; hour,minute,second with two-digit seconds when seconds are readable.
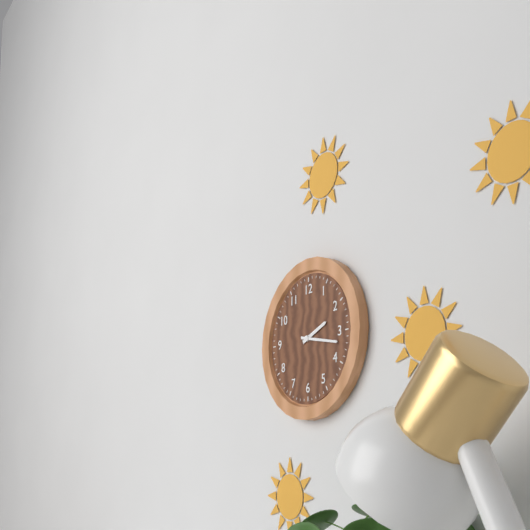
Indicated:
2,17
